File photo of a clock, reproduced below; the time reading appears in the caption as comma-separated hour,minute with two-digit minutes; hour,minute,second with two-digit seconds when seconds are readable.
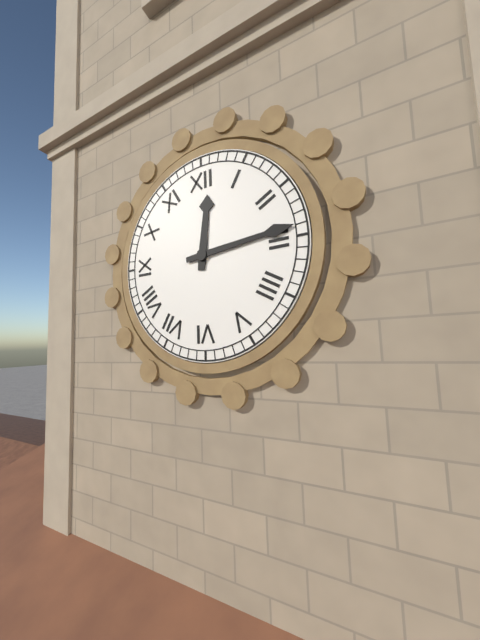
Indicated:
12,14
